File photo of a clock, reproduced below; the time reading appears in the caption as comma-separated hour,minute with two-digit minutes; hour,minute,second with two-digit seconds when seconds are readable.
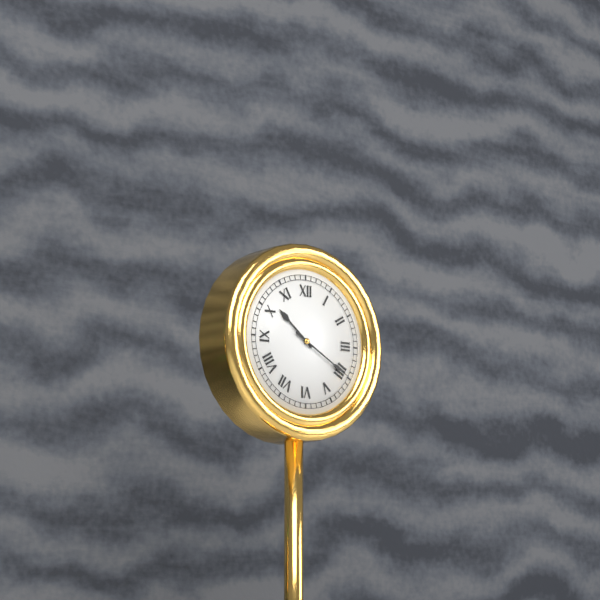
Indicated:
10,20
